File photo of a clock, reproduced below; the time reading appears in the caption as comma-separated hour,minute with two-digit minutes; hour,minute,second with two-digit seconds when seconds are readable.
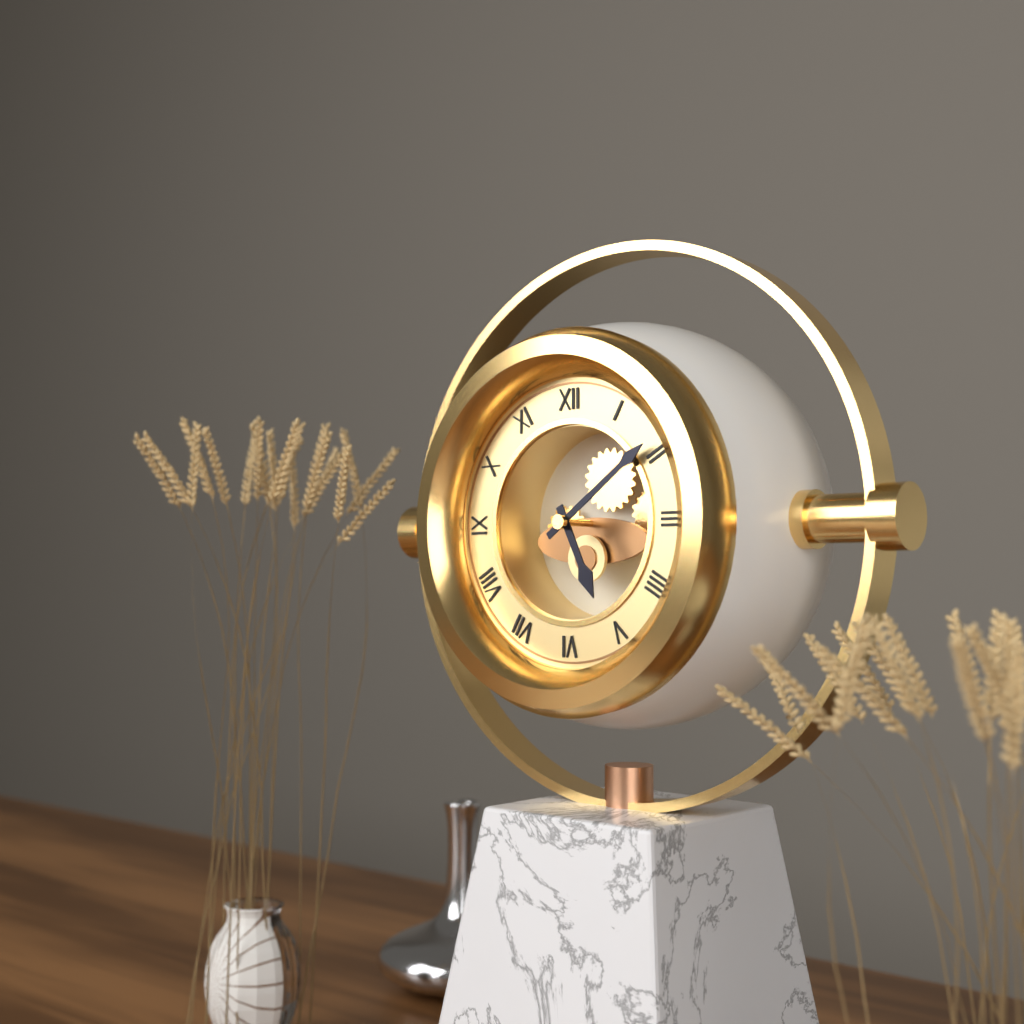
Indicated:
5,09
